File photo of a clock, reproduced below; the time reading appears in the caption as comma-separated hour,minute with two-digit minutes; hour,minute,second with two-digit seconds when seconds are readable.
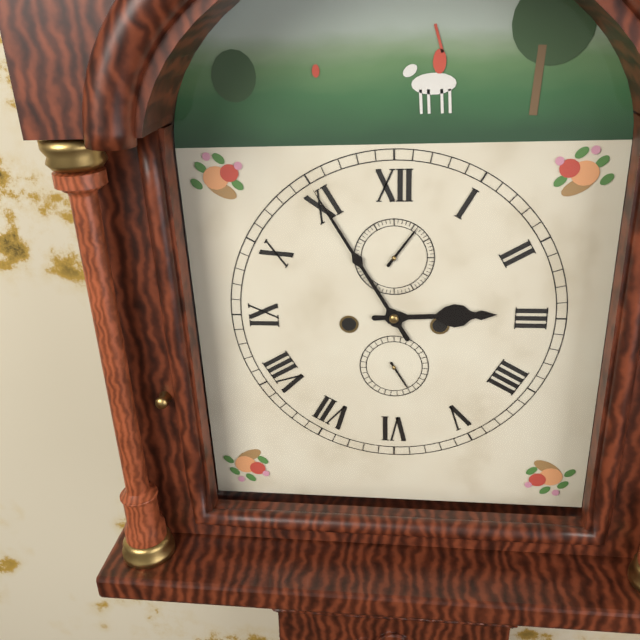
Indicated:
2,55
